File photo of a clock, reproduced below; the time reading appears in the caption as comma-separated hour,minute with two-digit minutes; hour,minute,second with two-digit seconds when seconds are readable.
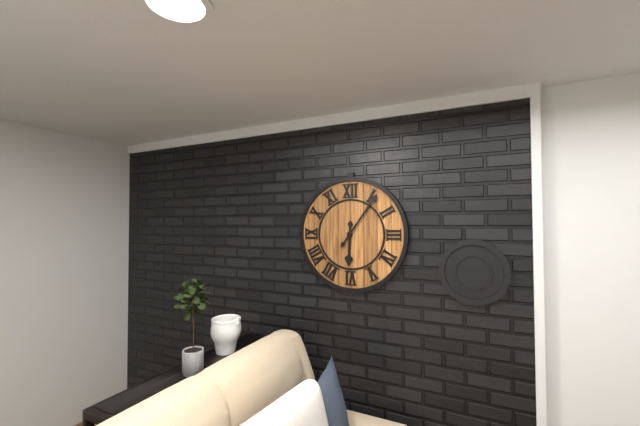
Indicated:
6,06
